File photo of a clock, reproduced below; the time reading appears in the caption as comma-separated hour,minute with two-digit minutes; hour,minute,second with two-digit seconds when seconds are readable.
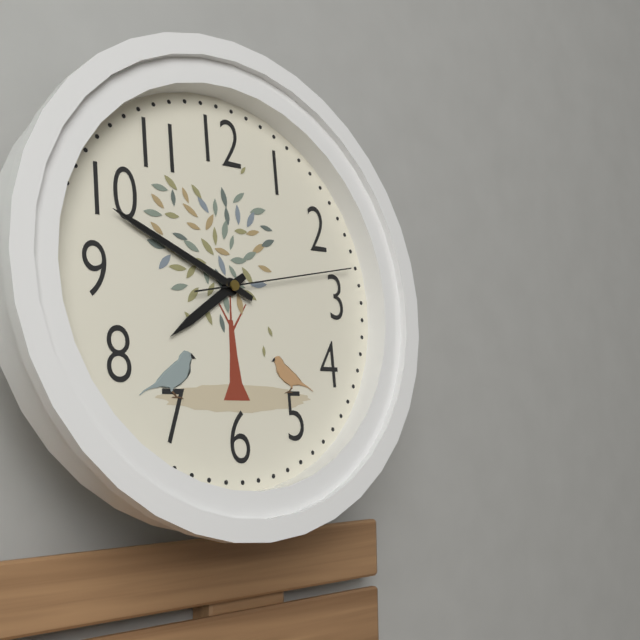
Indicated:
7,49,13
